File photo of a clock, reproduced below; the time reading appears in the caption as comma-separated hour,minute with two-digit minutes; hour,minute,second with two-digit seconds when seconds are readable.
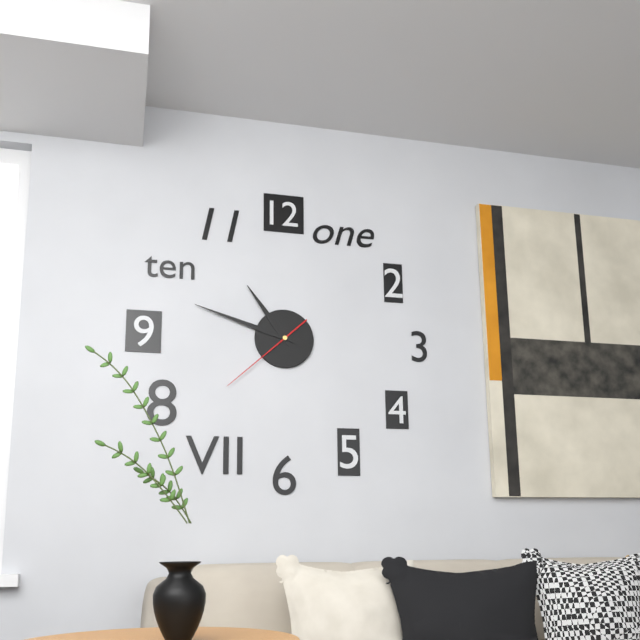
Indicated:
10,48,38
